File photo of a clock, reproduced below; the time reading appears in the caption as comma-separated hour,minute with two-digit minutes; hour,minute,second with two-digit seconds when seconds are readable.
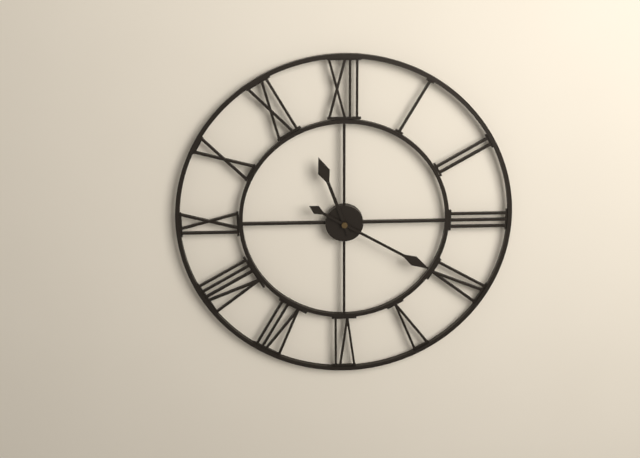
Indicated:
11,20
